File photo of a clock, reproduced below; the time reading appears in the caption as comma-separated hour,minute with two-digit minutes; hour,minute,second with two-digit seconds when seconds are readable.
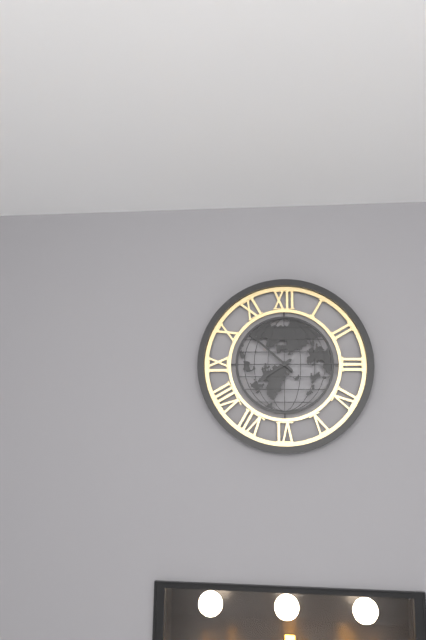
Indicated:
7,52
